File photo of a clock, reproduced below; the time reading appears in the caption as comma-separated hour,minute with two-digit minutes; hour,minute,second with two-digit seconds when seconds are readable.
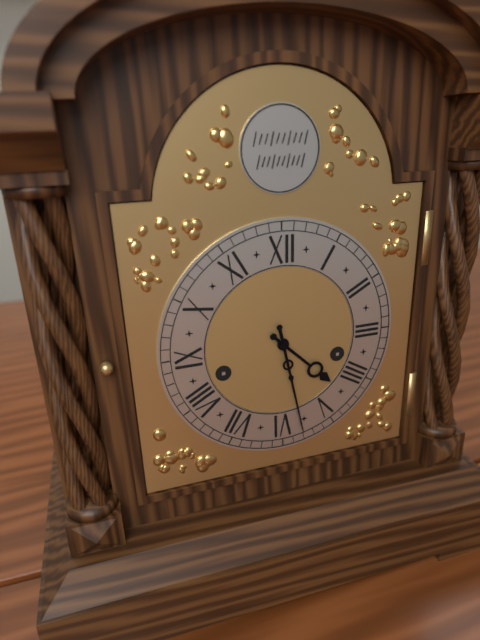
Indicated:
4,28
